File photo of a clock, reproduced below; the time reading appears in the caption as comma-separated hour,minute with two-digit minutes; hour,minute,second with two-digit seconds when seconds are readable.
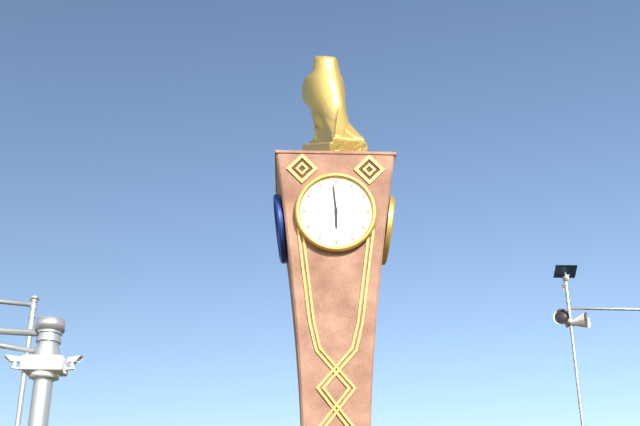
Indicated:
5,59
